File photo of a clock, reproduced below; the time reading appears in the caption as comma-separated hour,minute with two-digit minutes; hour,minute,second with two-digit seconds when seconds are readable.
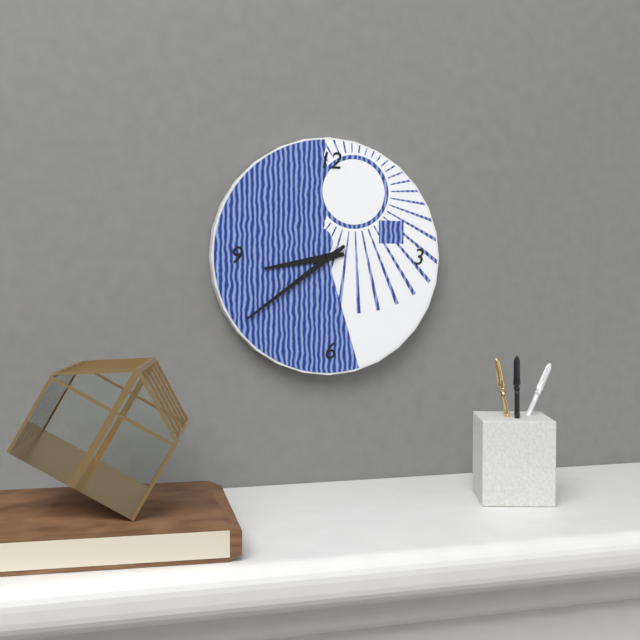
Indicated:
8,39
